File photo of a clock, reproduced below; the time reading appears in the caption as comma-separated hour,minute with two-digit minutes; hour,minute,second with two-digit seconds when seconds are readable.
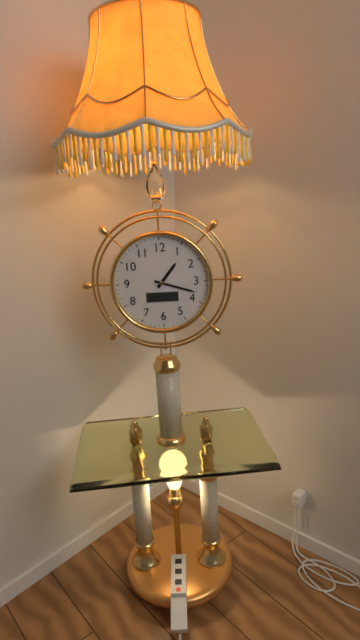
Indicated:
1,18
